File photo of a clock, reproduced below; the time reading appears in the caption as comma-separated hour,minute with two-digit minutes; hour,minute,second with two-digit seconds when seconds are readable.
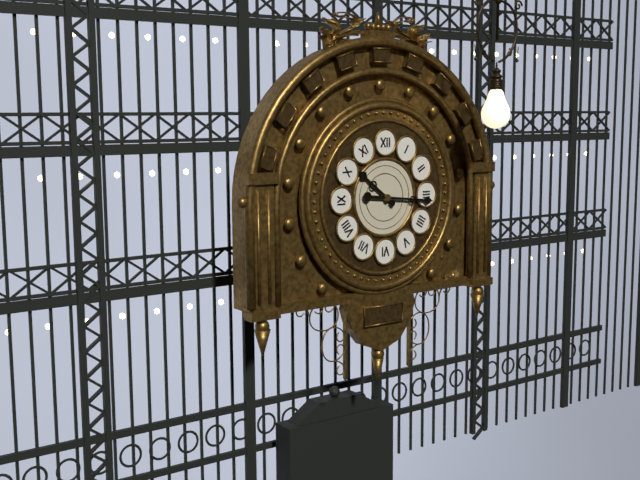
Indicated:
10,16
